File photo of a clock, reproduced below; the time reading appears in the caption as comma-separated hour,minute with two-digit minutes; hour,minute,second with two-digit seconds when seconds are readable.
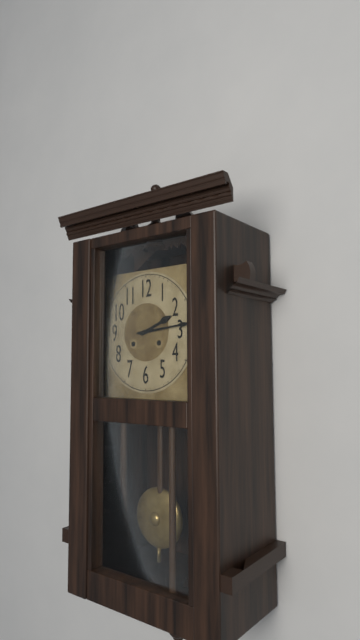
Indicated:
2,14
